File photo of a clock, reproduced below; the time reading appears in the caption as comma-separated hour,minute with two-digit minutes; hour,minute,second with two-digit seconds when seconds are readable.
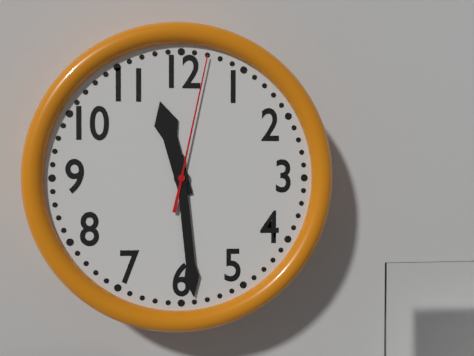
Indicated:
11,29,02
